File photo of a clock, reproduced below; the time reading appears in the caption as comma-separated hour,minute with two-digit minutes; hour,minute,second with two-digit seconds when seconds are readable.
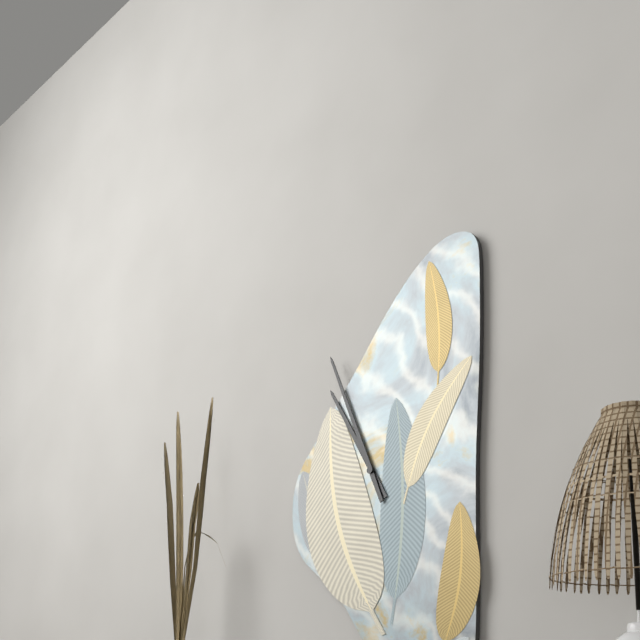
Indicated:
10,56
